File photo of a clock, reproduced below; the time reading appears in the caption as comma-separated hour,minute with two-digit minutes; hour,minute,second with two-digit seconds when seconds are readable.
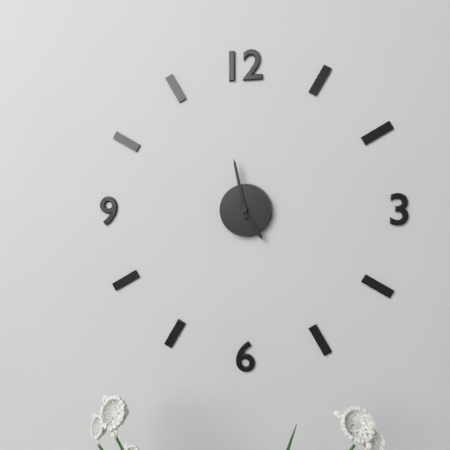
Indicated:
4,58
